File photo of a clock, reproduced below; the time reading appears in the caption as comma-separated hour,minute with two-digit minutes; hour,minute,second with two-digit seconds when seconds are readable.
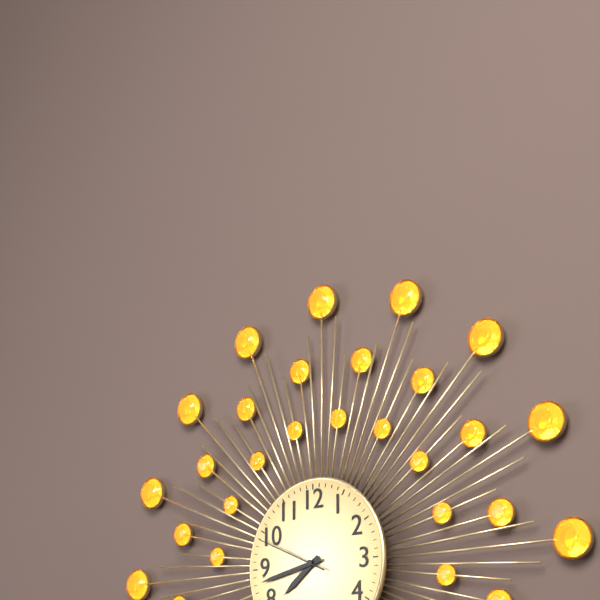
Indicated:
7,43,49
